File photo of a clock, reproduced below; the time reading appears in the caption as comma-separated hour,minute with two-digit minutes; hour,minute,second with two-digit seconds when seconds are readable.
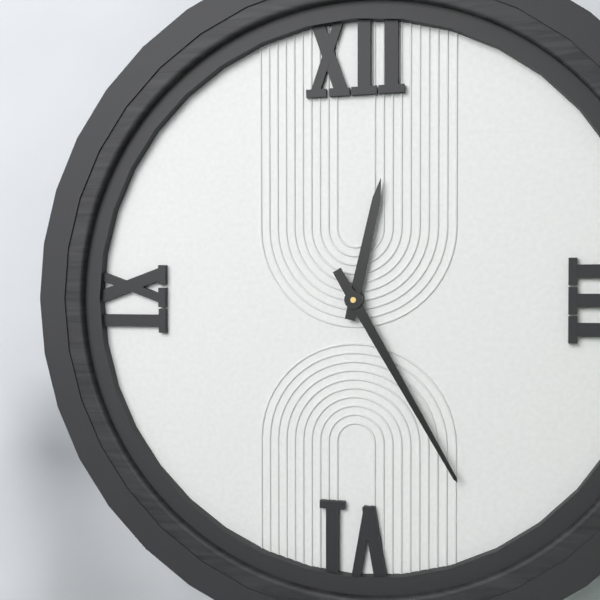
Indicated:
12,25
